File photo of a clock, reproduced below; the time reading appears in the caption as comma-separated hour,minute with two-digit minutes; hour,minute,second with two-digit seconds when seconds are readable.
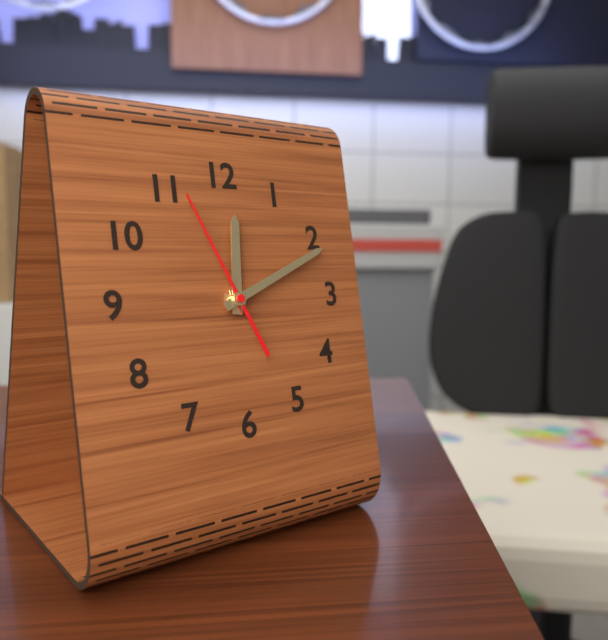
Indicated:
12,11,56
